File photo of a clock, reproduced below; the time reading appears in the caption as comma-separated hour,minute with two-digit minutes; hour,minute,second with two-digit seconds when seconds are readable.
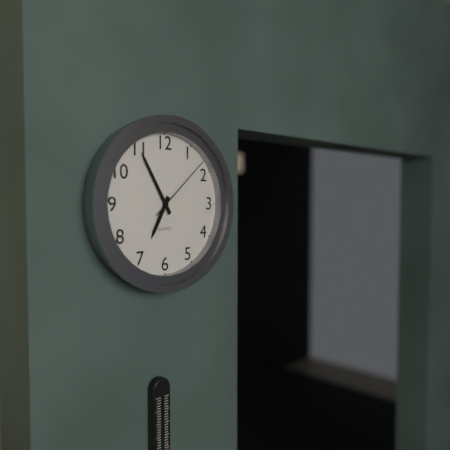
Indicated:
6,55,08
